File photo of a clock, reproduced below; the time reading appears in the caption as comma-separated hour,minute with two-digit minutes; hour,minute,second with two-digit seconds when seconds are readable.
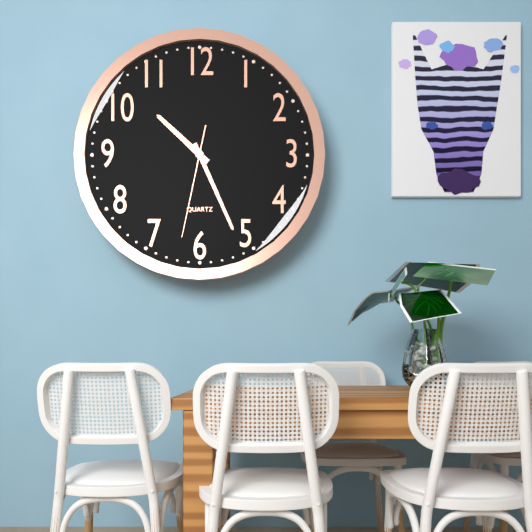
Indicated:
10,26,32
